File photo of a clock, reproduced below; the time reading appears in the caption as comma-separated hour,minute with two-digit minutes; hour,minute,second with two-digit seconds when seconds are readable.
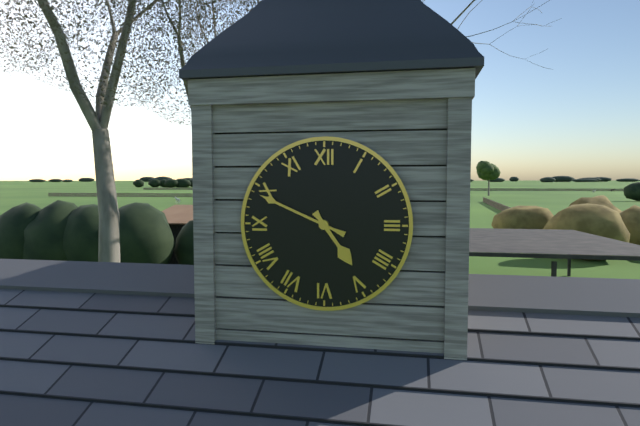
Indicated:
4,49
